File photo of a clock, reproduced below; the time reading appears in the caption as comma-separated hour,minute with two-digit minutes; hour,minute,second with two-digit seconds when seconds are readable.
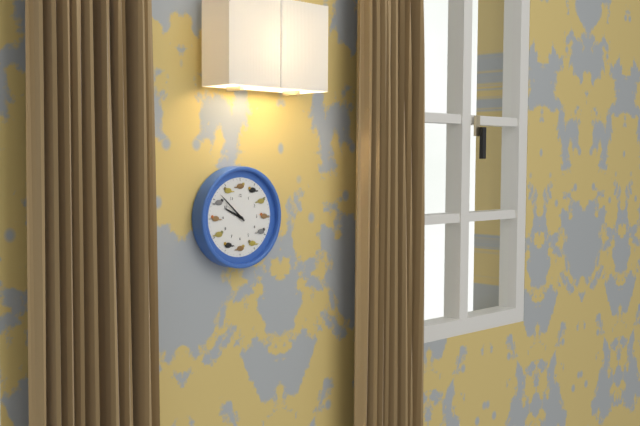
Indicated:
9,52
